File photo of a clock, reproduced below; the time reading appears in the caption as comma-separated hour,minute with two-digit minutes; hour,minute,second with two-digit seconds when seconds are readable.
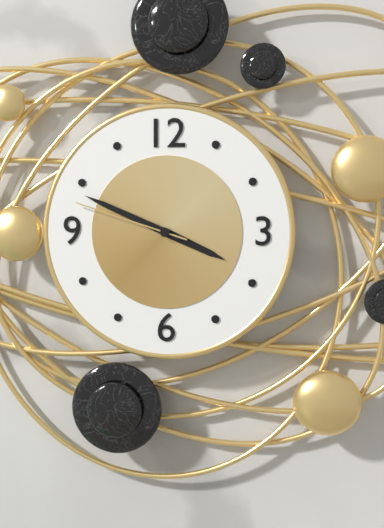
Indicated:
3,49,48
